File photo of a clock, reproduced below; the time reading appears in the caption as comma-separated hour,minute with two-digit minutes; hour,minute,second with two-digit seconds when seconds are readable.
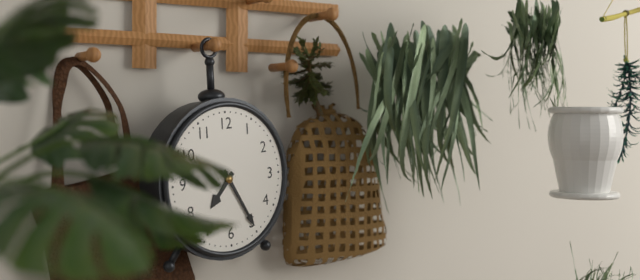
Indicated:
7,25
